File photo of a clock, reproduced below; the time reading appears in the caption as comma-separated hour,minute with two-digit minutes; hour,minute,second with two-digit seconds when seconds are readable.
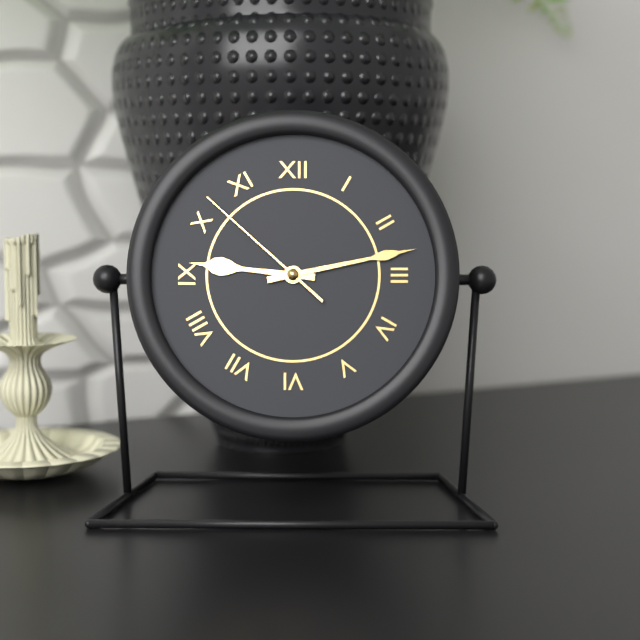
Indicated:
9,13,52
